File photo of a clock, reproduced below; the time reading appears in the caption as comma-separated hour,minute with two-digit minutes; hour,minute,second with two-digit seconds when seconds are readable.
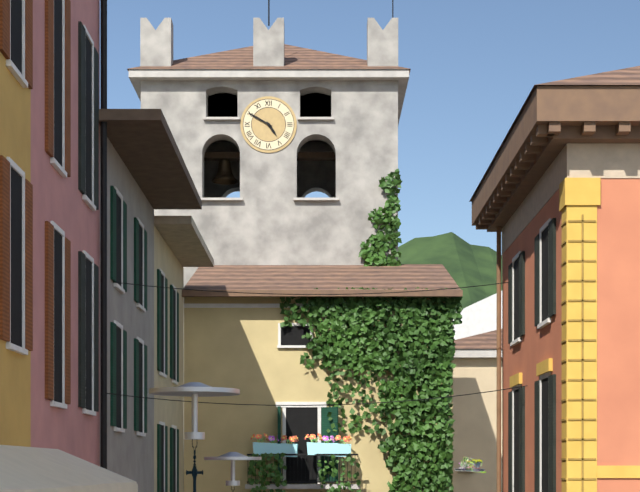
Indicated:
4,50
